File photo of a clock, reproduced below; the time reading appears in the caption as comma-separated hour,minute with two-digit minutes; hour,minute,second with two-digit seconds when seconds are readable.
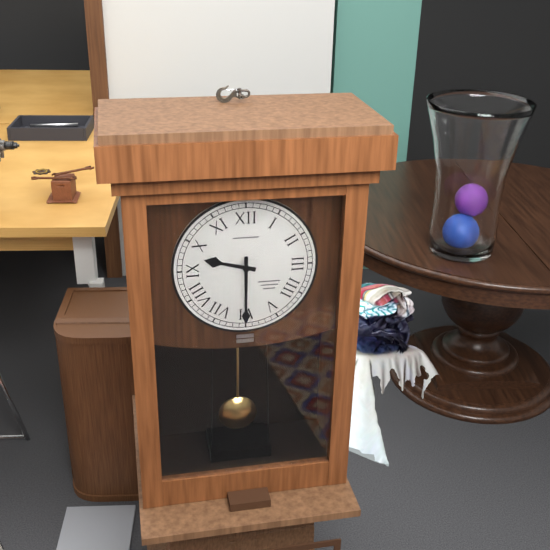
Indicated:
9,30
